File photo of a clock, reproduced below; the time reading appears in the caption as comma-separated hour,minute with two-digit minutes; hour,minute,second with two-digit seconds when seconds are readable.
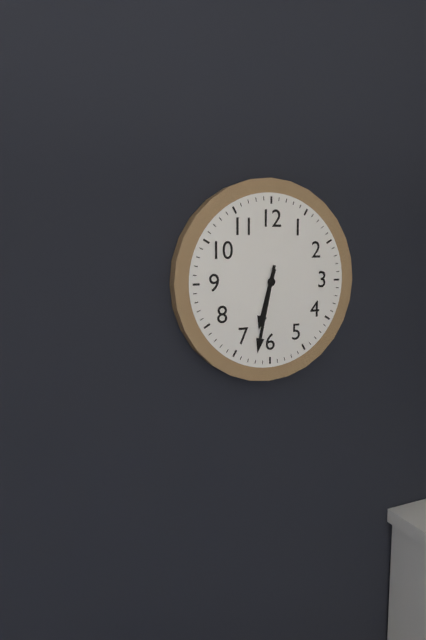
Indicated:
6,32
